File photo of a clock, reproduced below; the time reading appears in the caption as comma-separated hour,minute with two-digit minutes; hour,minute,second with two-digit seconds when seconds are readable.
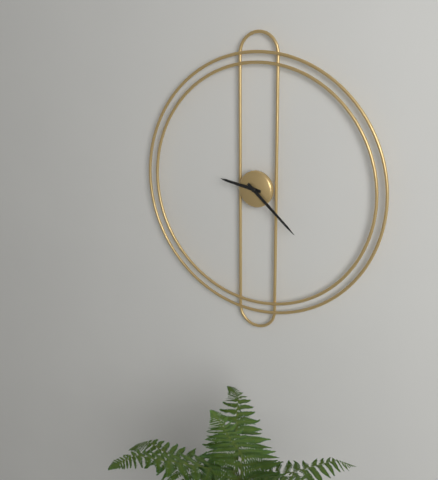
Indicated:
9,22
